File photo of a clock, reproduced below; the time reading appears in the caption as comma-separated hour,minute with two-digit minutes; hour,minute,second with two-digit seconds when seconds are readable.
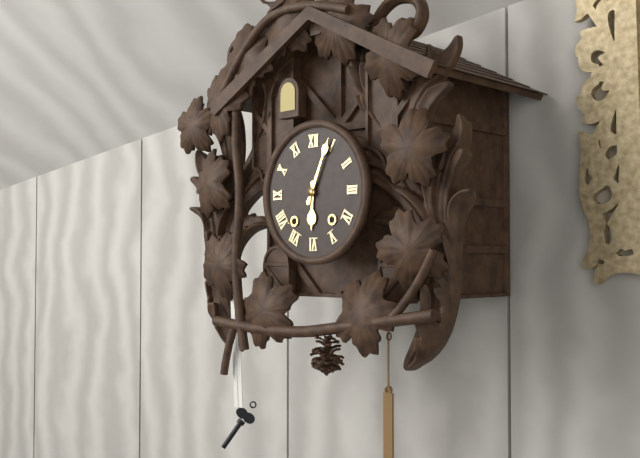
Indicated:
6,04
